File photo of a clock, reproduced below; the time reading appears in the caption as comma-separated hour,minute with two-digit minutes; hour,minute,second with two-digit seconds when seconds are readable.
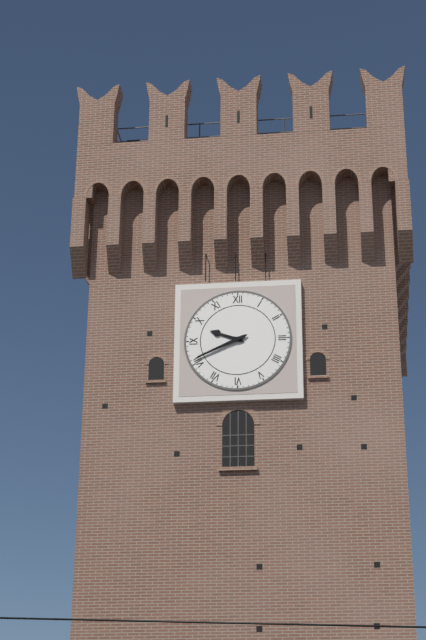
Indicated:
9,41
